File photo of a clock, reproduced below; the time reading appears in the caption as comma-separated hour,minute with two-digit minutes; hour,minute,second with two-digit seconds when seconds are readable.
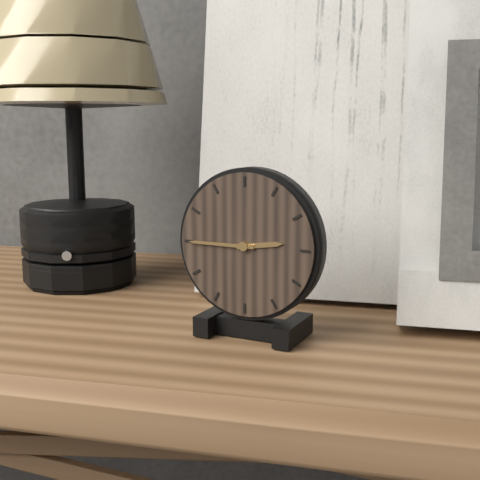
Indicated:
2,45
